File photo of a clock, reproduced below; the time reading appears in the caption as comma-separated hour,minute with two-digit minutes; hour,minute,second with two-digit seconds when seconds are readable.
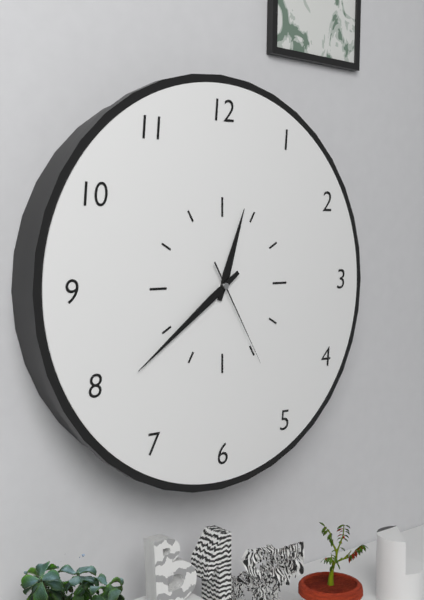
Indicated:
12,39,25
